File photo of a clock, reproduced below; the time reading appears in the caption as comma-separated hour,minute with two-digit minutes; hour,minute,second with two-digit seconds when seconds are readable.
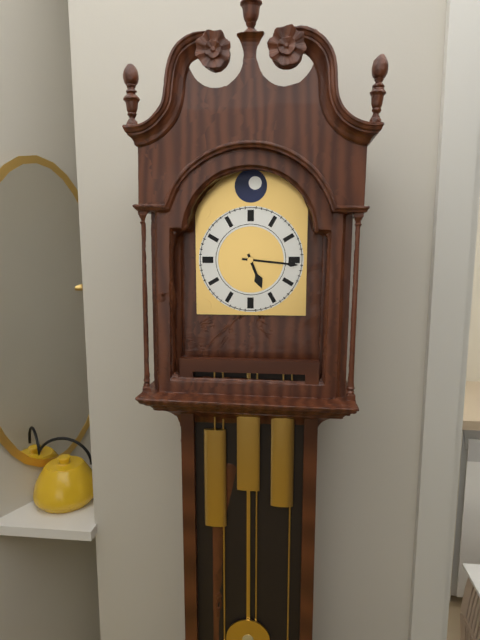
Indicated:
5,16
